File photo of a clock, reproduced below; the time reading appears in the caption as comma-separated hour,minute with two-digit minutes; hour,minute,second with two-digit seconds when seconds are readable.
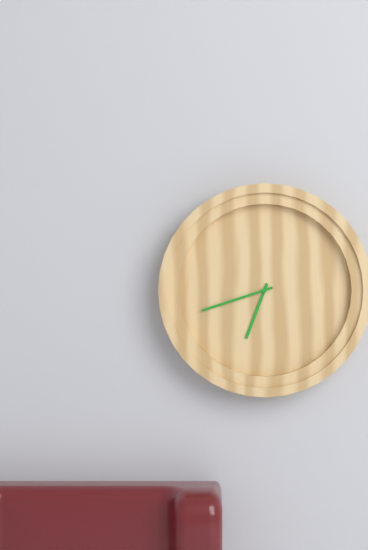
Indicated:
6,42
